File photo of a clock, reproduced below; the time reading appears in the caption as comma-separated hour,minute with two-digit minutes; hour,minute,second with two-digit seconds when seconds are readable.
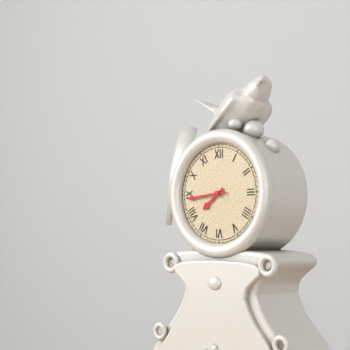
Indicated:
7,44
